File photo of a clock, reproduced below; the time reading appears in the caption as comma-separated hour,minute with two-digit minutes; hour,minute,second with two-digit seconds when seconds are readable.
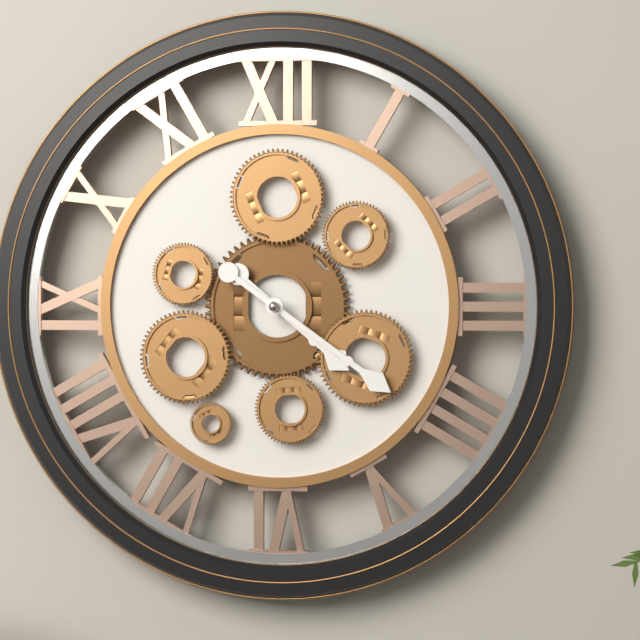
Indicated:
4,21
